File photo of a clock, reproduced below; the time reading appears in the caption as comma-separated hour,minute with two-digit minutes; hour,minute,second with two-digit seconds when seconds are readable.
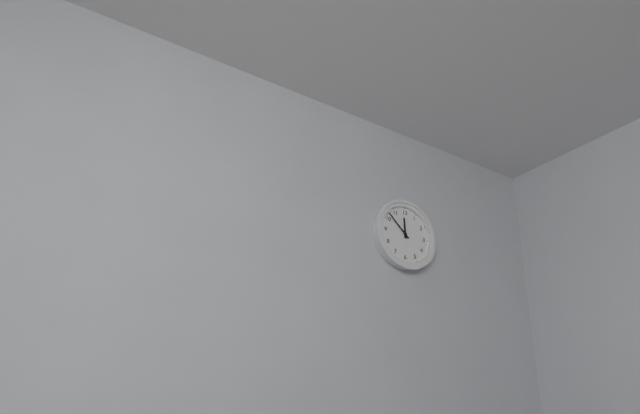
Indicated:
11,52
